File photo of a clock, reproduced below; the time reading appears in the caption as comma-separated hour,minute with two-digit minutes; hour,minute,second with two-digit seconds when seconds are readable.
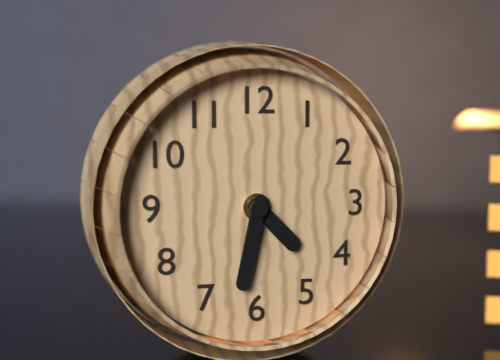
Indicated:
4,32
